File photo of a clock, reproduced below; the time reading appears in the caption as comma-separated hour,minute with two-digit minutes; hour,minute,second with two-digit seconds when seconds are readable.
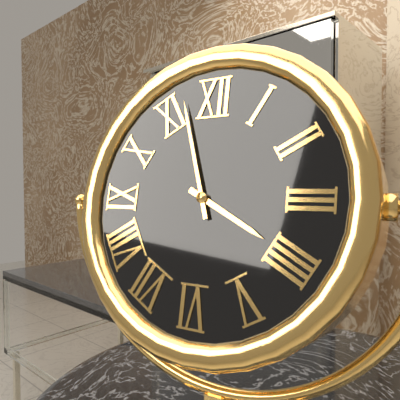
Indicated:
3,57
